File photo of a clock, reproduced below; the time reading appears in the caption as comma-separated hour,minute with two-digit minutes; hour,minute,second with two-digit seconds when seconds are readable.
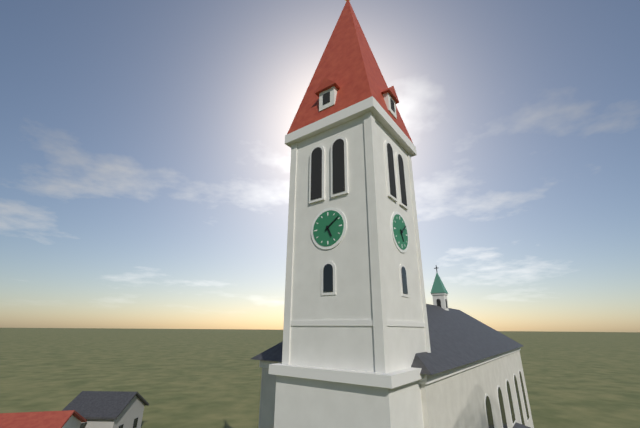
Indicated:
5,09
